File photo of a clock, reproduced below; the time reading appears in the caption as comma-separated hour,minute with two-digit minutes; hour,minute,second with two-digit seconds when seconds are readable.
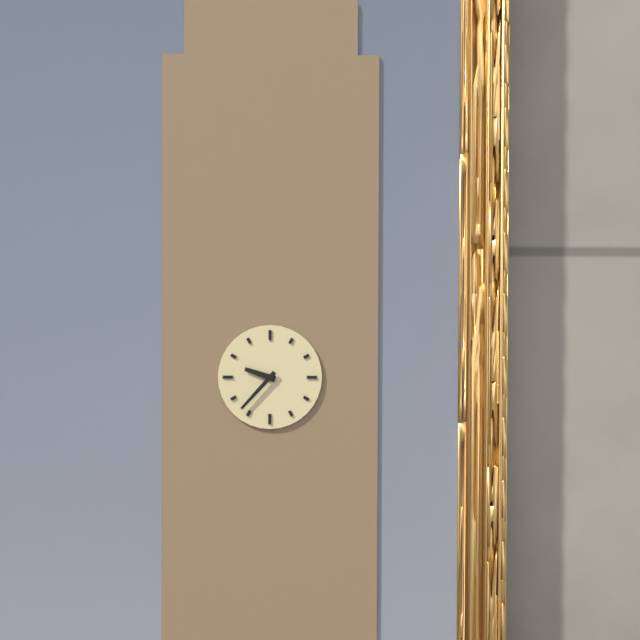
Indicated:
9,37
